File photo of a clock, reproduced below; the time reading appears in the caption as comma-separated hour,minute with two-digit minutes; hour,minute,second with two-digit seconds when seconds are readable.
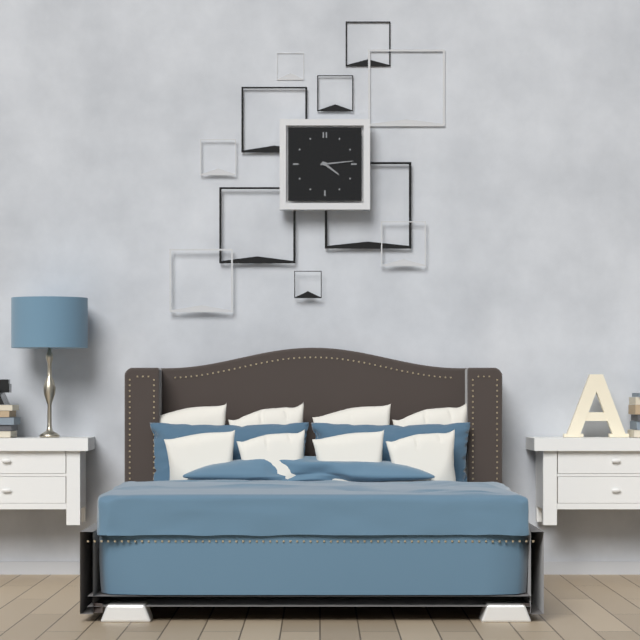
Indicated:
4,14
